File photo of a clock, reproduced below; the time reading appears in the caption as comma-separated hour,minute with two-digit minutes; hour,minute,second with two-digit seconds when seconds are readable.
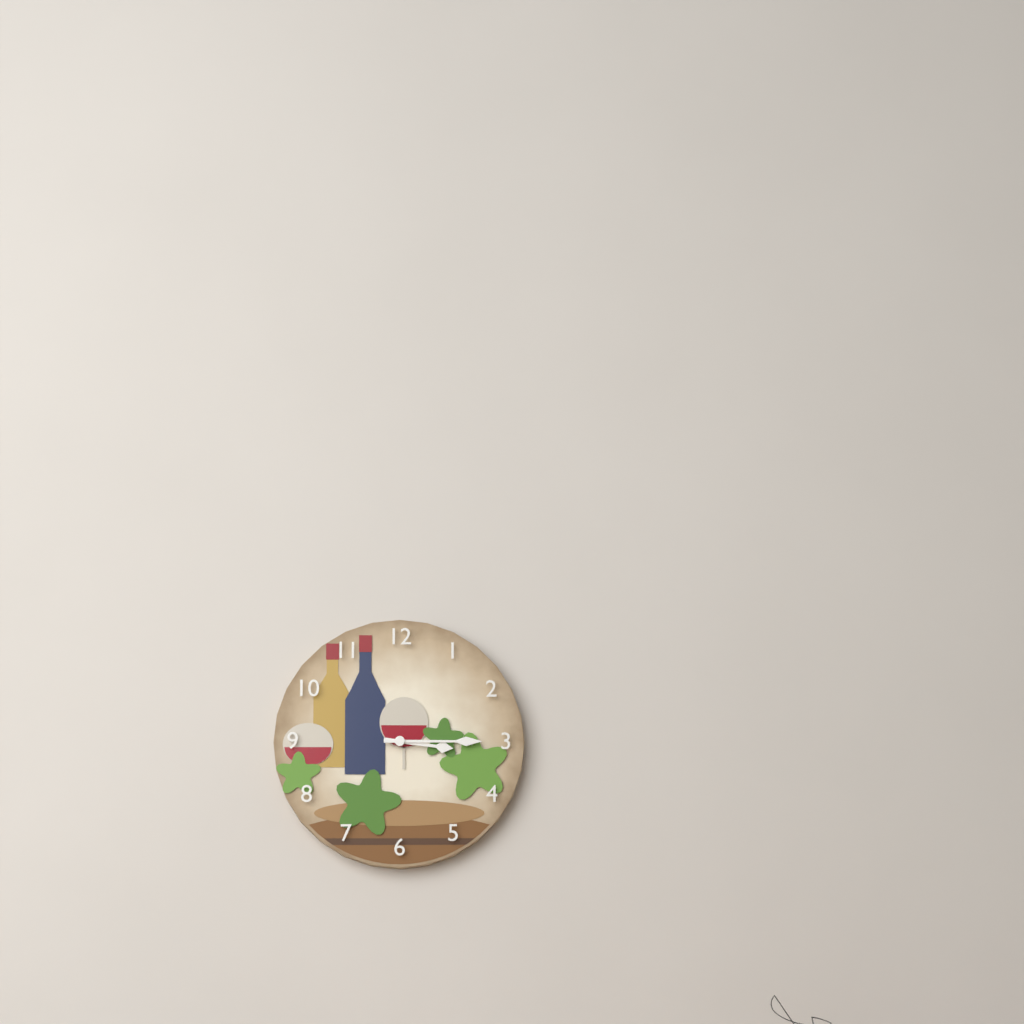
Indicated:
3,15
